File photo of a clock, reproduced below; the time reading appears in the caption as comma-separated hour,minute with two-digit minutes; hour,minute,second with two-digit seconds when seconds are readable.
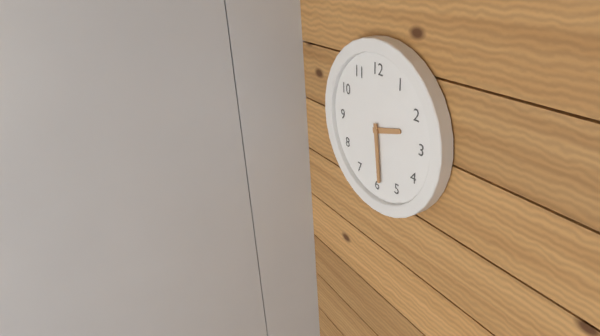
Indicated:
2,29
